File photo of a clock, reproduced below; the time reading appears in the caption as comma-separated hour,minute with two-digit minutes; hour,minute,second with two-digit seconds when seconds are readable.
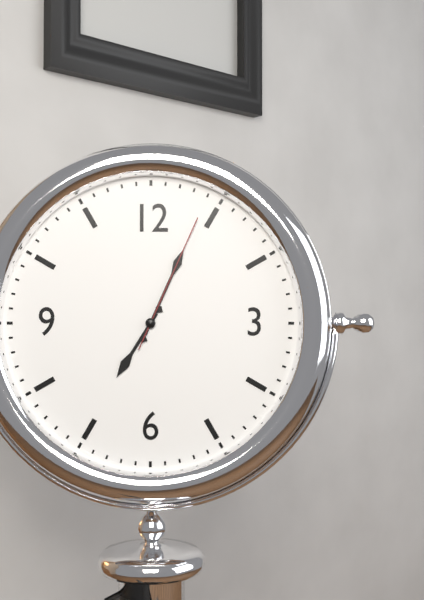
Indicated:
7,04,04
